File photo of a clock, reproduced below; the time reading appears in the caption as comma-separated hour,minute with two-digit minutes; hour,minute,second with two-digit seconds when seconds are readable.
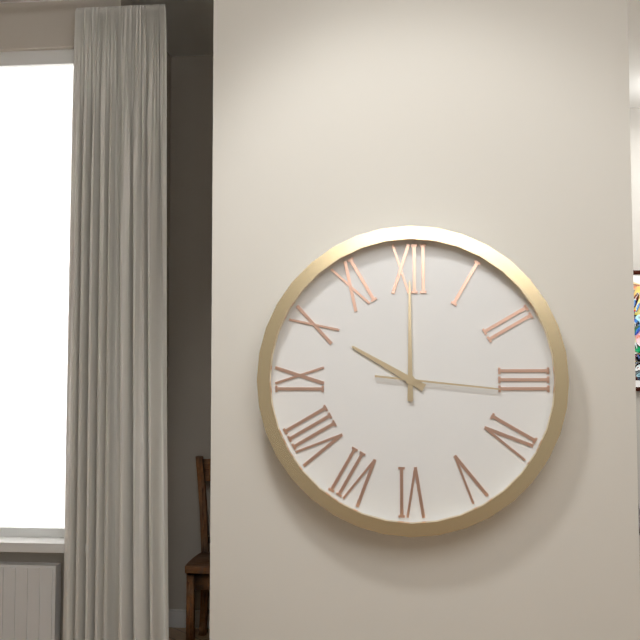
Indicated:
10,00,16
